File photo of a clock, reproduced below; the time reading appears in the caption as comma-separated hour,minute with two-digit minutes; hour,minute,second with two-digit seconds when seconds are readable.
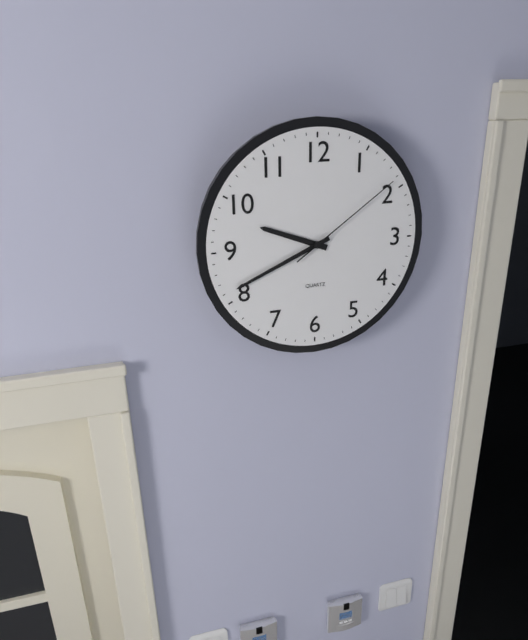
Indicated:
9,41,09
